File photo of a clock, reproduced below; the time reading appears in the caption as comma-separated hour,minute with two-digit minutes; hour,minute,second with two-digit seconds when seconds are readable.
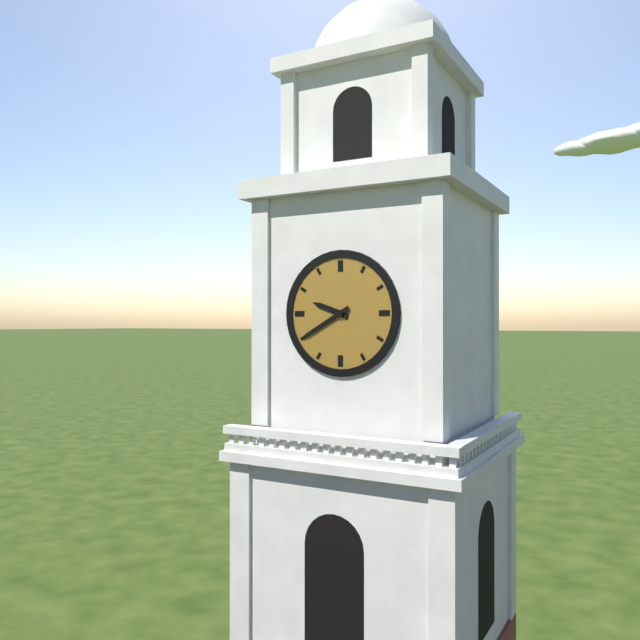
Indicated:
9,40
